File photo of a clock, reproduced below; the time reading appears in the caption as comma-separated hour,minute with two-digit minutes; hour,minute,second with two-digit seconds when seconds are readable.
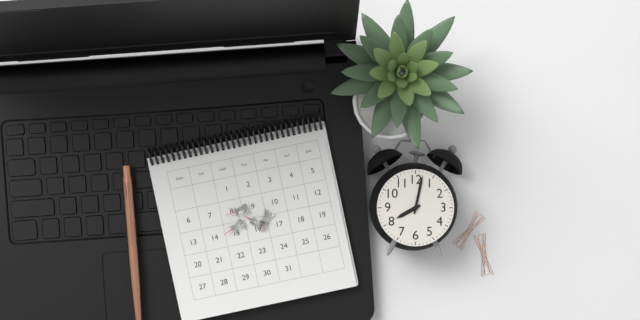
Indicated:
8,02
